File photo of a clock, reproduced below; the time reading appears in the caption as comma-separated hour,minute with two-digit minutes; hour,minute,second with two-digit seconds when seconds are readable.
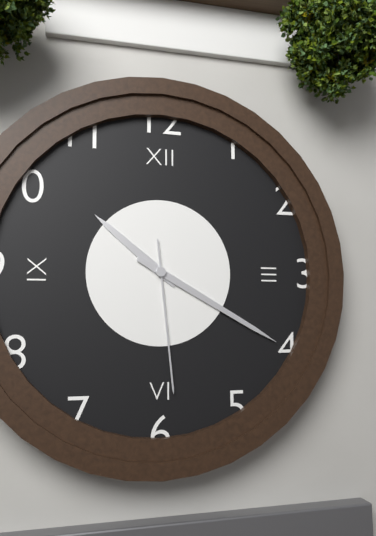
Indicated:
10,20,29
